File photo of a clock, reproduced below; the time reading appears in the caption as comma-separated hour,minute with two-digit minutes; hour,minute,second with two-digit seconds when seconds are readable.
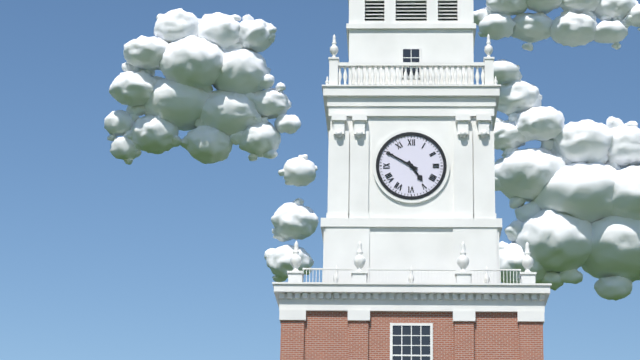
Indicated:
4,50
